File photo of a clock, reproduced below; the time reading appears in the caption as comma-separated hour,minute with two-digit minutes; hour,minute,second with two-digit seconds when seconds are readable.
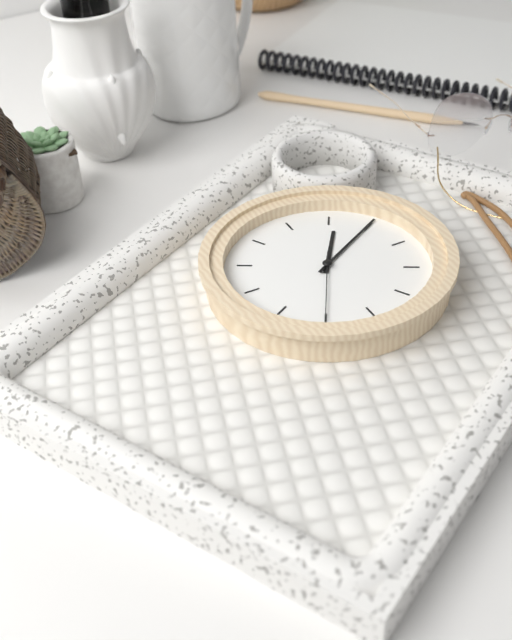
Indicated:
1,10,35
